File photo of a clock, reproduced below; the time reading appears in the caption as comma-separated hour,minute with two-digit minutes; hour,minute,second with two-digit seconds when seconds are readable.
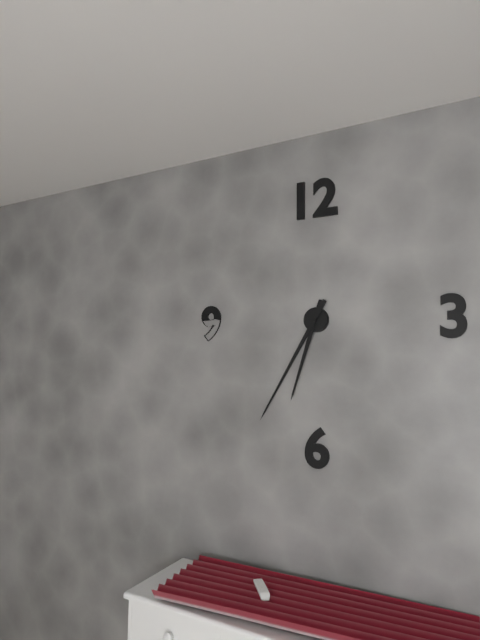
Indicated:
6,35
